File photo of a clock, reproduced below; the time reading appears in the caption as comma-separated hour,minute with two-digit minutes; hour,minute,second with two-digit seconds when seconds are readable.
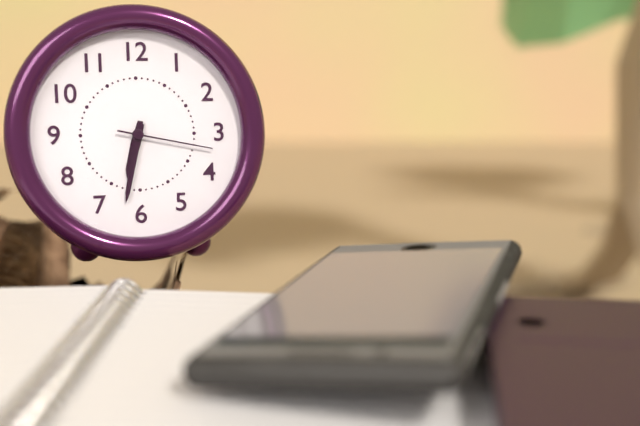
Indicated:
6,32,17
